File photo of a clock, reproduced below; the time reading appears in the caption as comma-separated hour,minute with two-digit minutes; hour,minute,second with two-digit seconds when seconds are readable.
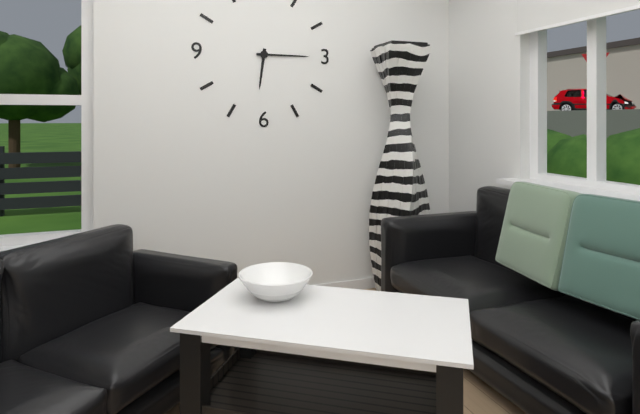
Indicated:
6,15
